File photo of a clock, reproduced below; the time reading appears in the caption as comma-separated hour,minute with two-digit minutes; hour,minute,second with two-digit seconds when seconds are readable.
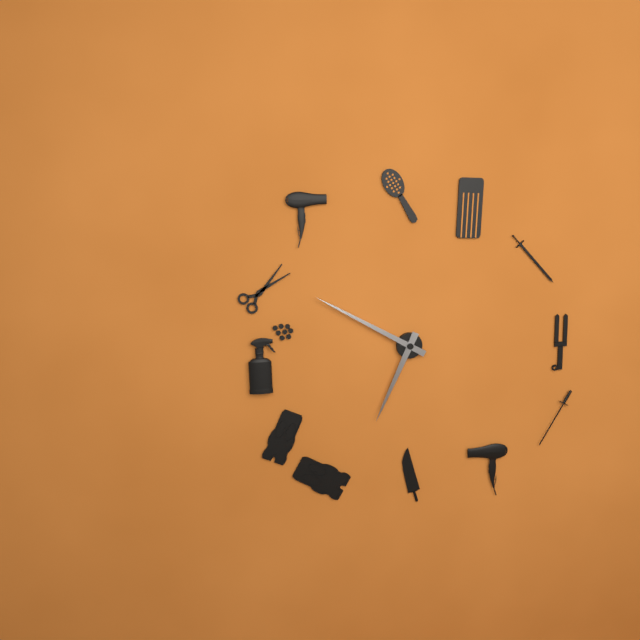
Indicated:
6,50
